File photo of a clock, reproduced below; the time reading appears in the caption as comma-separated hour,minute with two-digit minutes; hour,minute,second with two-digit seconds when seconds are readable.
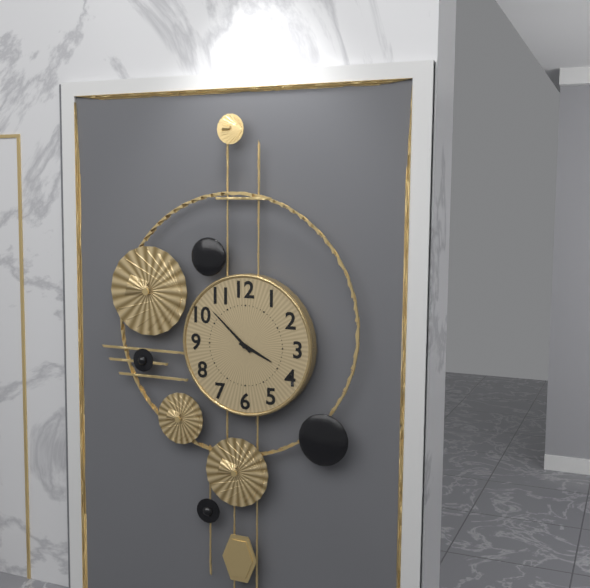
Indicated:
3,52
